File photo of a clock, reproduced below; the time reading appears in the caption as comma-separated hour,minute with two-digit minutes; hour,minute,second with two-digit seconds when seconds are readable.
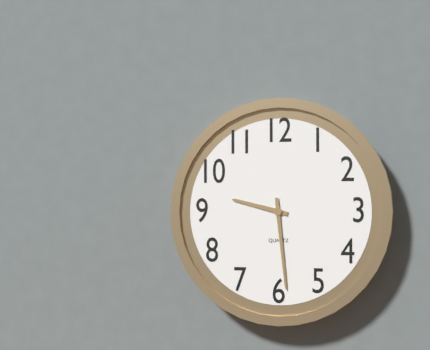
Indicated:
9,29
